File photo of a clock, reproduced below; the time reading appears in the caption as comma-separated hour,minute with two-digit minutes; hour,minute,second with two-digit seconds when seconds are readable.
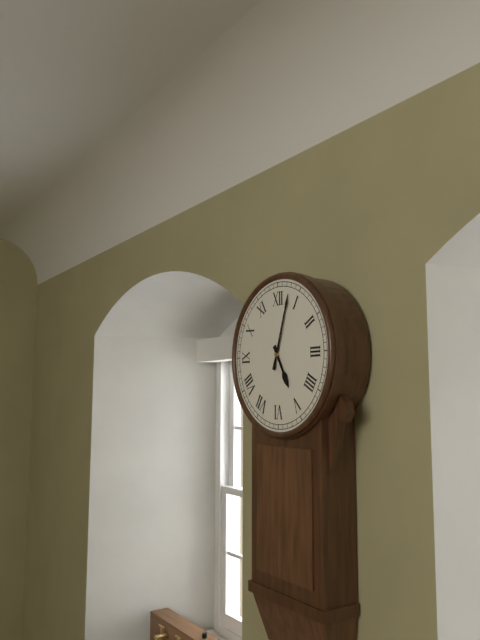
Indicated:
5,03
